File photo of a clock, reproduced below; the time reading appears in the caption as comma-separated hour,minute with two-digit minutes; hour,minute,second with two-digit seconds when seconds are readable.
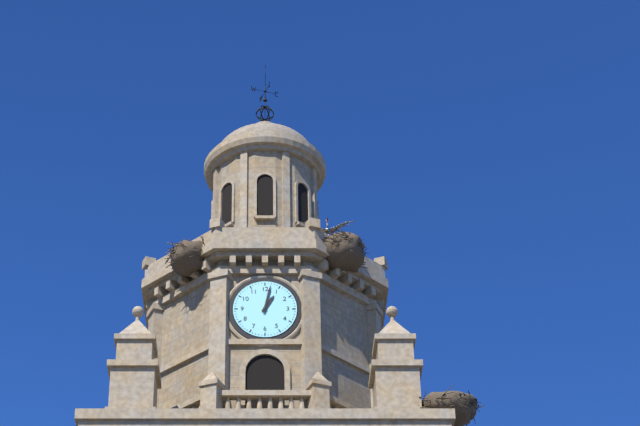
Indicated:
1,02
